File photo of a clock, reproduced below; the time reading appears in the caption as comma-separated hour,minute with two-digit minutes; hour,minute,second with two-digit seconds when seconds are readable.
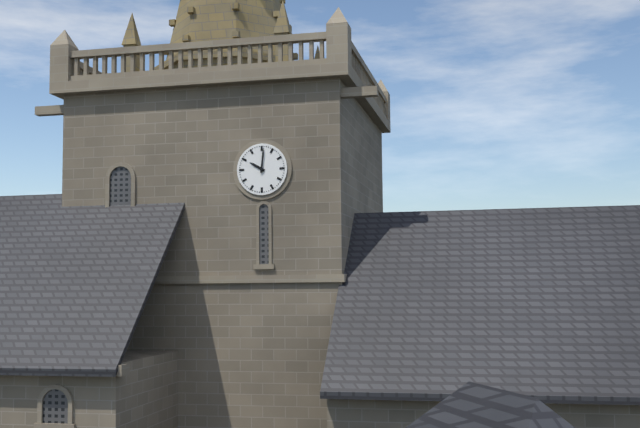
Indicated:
10,01
